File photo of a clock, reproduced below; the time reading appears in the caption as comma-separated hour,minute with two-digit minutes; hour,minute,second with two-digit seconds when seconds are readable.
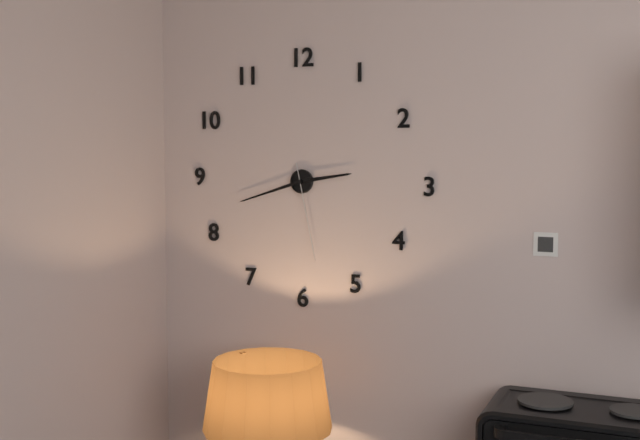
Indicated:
2,42,28
